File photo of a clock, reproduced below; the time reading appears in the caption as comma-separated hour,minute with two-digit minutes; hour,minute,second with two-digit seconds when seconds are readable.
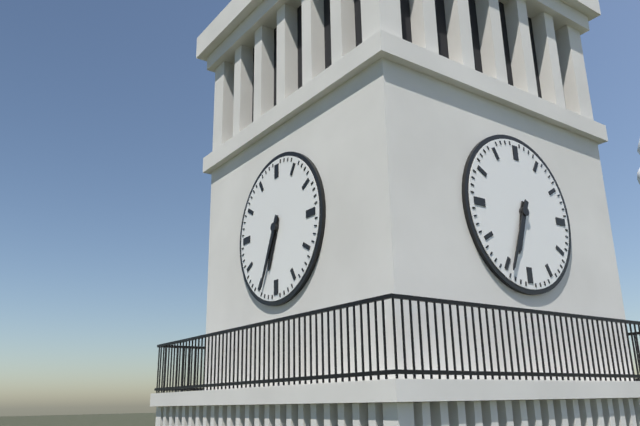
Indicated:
6,34
